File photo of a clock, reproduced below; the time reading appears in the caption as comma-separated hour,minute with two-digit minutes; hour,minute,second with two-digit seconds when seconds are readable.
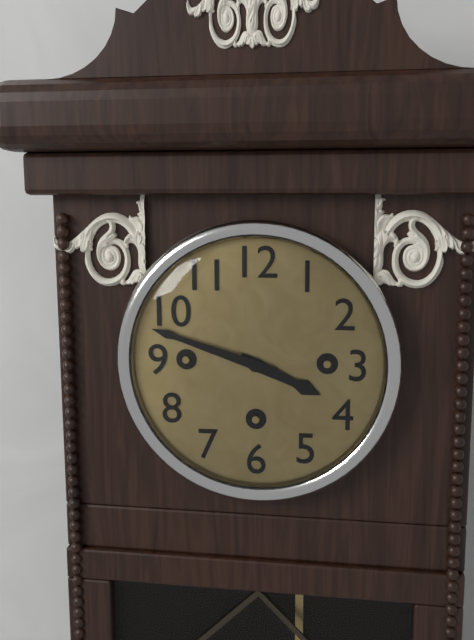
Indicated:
3,48
